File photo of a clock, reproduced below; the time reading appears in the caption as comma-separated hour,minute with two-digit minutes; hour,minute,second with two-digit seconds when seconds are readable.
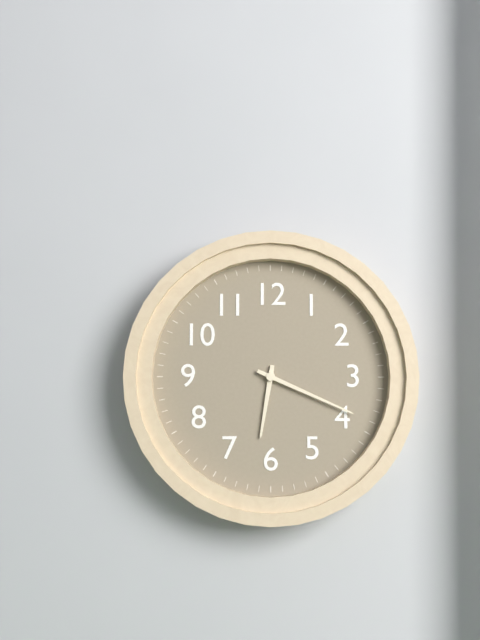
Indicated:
6,19
